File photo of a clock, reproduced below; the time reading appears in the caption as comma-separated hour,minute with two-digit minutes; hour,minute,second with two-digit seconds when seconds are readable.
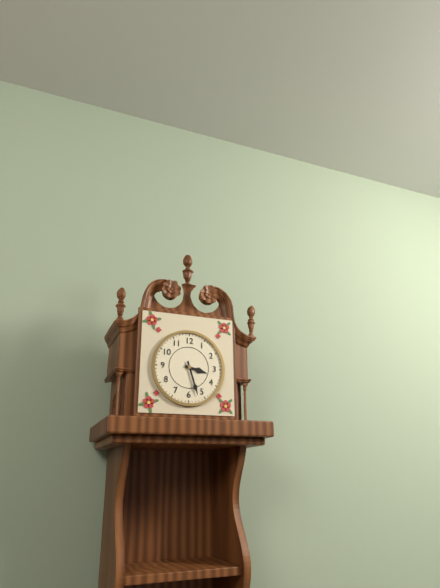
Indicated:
3,27
